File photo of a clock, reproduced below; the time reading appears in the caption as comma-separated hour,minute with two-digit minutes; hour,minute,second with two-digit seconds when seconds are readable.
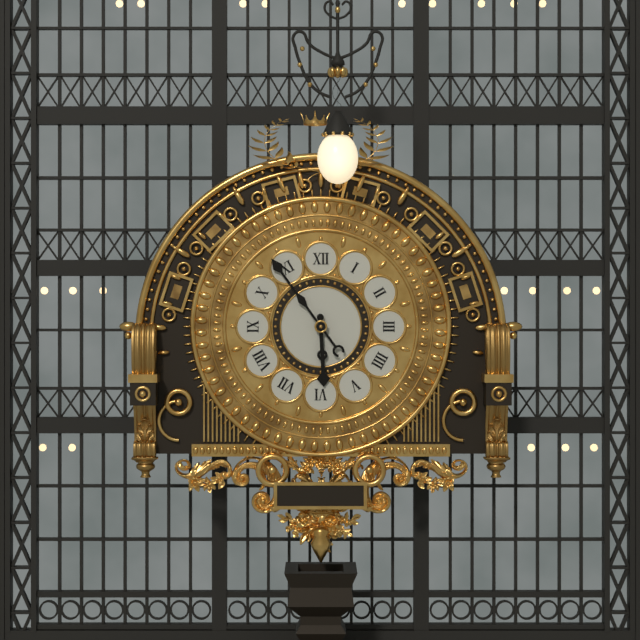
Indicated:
5,54
